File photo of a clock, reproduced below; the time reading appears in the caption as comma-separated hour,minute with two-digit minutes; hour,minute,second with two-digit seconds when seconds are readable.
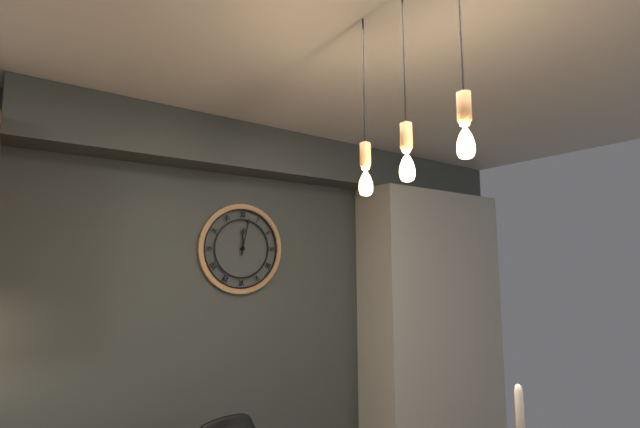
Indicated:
12,02
